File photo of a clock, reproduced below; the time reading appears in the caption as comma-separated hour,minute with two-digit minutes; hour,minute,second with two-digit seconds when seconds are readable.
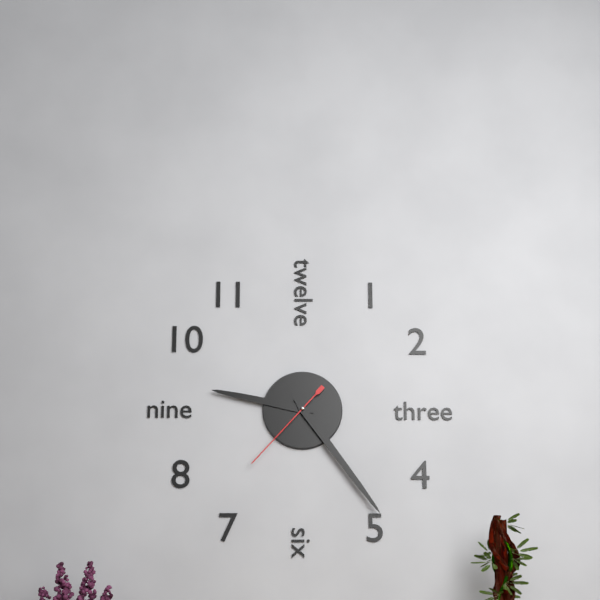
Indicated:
9,24,37
